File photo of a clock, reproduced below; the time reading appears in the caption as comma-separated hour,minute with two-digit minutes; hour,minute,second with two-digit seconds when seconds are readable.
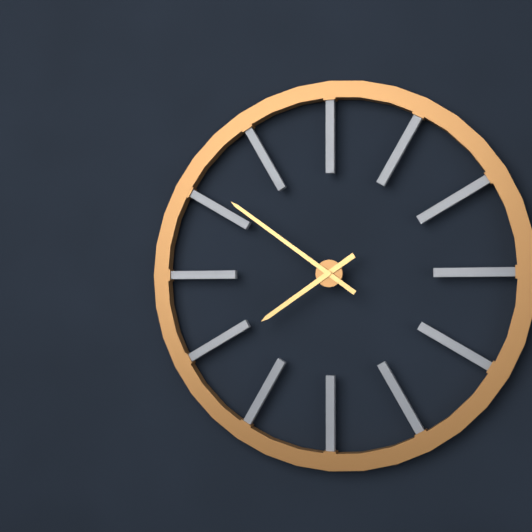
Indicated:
7,51
